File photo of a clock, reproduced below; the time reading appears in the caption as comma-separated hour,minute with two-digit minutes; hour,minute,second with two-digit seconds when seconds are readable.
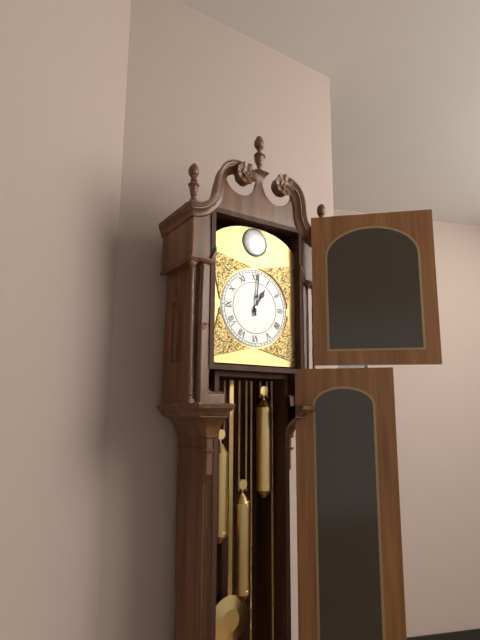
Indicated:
1,01
